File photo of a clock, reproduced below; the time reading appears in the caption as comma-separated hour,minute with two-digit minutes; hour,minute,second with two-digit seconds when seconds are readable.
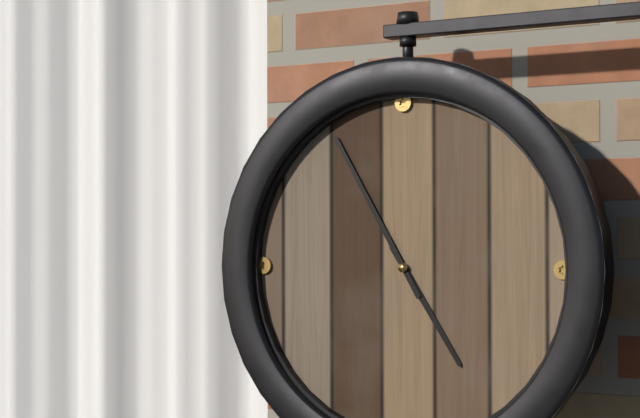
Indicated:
4,55
